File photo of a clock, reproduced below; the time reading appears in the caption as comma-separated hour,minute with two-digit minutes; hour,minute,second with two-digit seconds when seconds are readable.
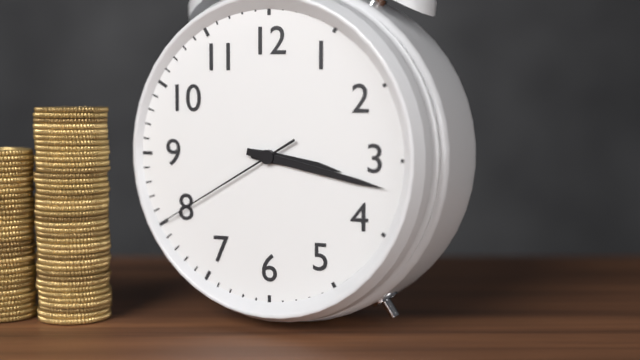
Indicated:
3,17,40
